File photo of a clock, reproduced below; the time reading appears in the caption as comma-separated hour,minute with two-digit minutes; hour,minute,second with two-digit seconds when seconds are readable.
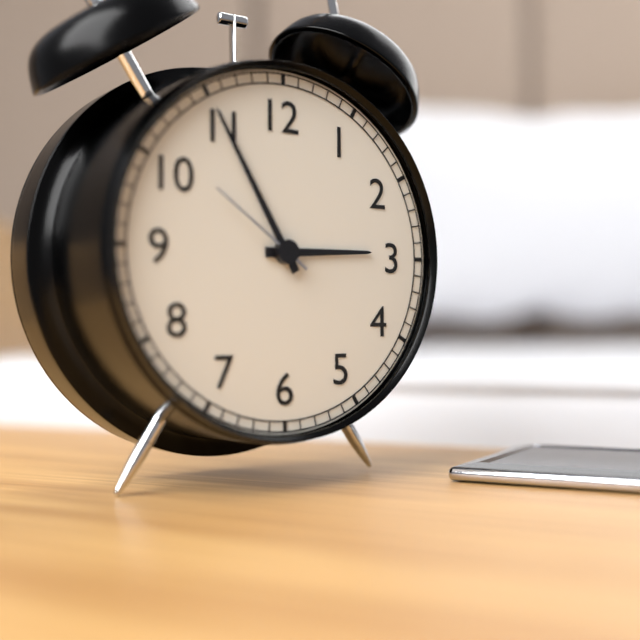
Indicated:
2,55,51
